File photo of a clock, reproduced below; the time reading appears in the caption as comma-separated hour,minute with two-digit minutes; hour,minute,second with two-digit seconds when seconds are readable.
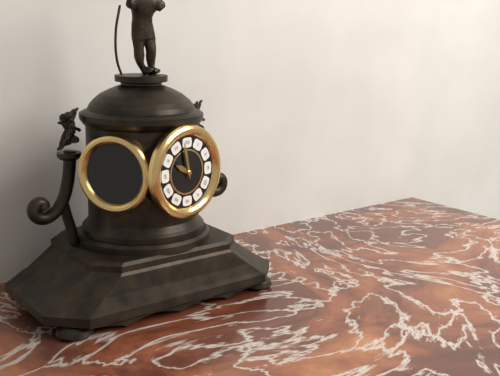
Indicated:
9,58
